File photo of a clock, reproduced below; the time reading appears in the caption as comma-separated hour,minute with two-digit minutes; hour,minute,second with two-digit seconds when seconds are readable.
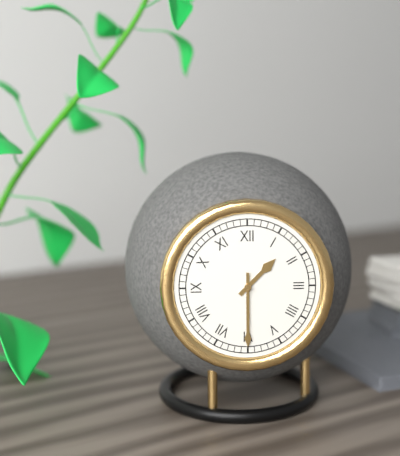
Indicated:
1,30
